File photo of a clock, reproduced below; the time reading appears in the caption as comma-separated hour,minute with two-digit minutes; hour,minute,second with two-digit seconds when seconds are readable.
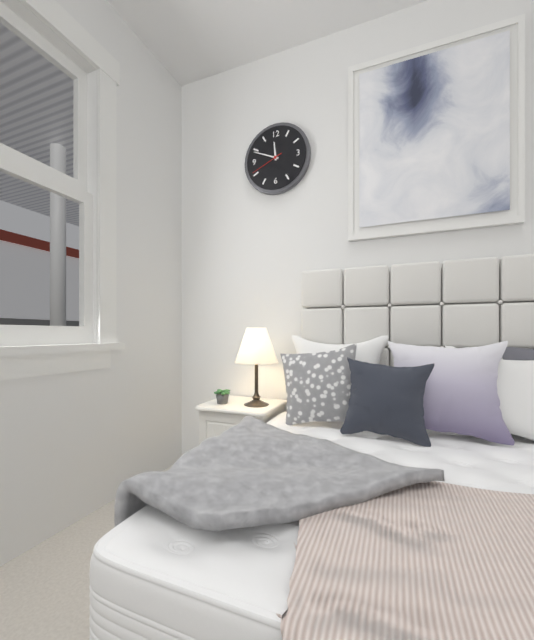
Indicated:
11,49
